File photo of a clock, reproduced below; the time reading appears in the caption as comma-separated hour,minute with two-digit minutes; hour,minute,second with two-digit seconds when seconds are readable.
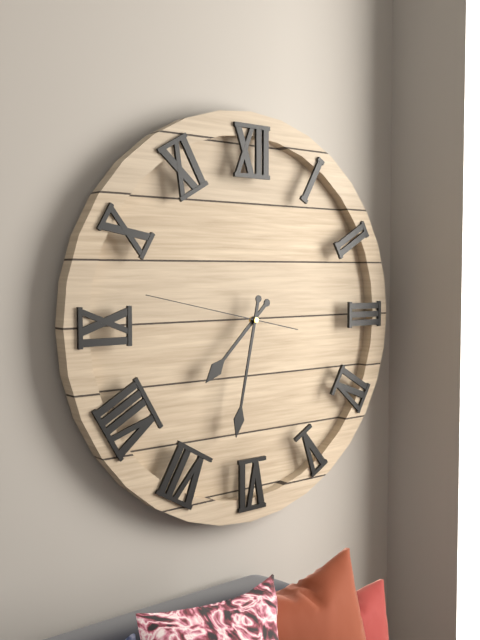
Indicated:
7,32,47
